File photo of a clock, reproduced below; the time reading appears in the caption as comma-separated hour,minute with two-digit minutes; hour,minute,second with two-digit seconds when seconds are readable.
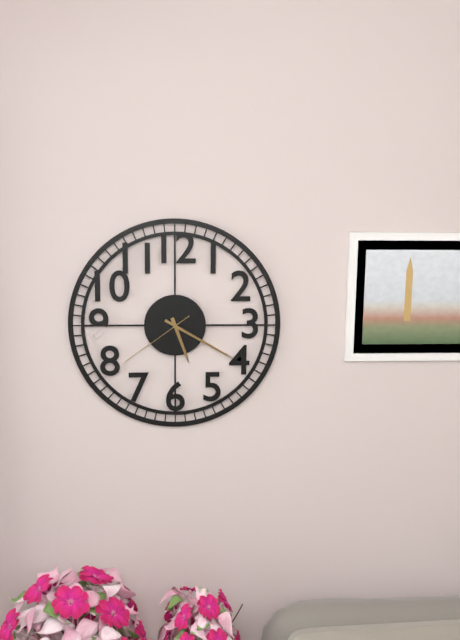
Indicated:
5,20,39
